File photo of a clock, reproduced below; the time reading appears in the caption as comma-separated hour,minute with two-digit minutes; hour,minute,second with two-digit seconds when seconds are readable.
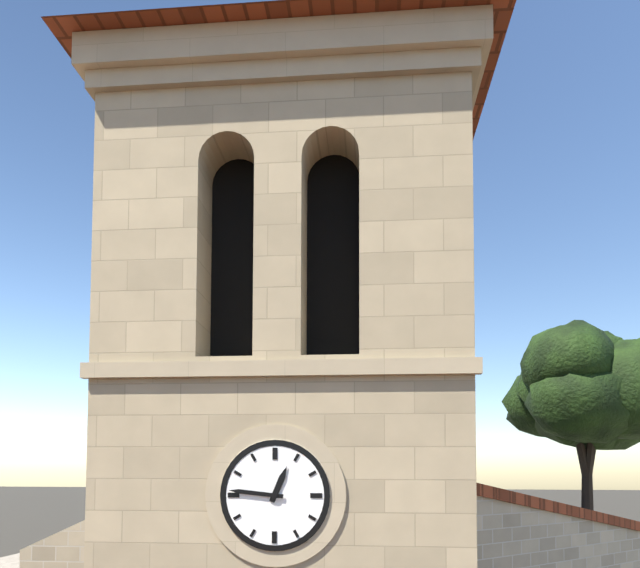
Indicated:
12,46
